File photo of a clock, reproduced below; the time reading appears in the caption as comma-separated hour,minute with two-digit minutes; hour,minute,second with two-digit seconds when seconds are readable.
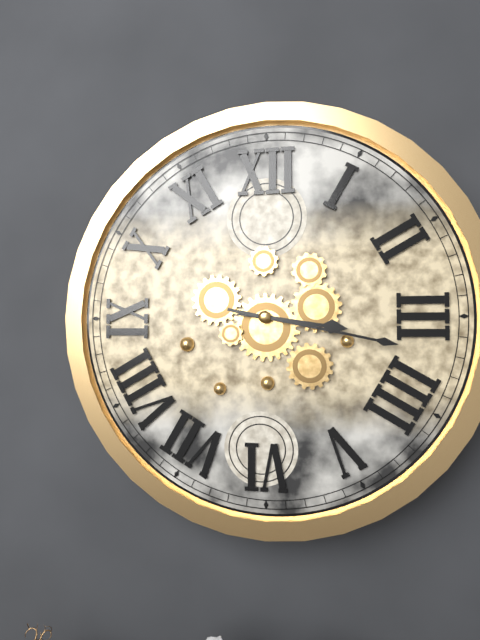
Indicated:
3,17
